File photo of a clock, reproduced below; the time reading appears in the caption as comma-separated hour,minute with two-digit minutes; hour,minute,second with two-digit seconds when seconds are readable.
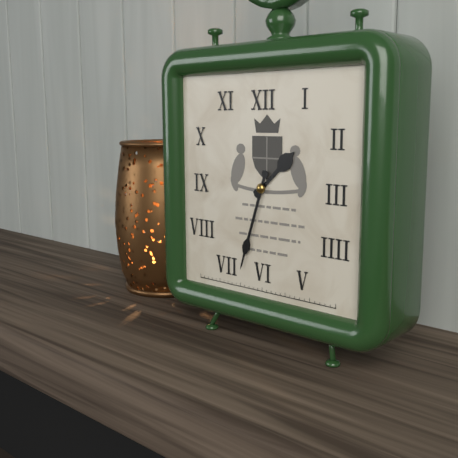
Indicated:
1,33
